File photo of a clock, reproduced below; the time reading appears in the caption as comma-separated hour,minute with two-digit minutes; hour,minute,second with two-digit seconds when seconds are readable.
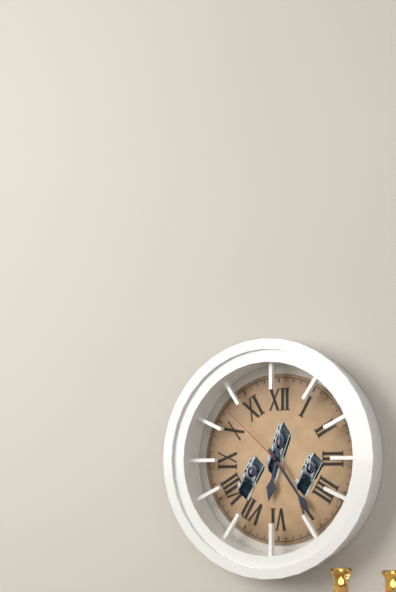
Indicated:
6,24,52
